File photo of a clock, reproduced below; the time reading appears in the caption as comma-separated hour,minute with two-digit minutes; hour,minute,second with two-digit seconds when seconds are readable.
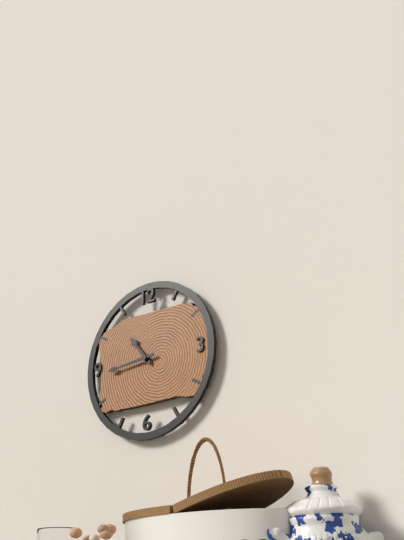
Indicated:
10,44
